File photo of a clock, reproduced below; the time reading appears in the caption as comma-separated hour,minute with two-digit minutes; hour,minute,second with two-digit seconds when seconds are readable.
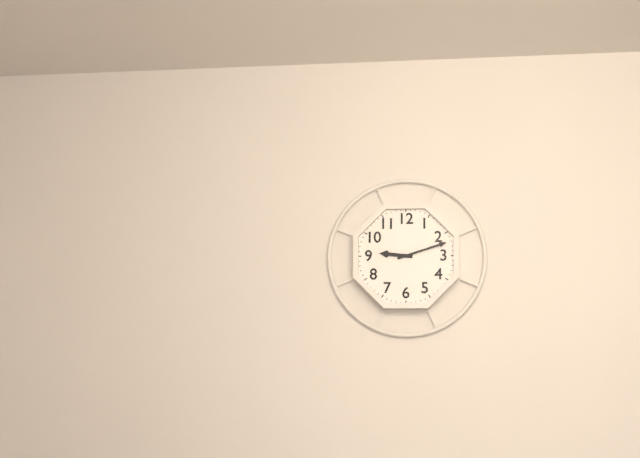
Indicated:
9,12
